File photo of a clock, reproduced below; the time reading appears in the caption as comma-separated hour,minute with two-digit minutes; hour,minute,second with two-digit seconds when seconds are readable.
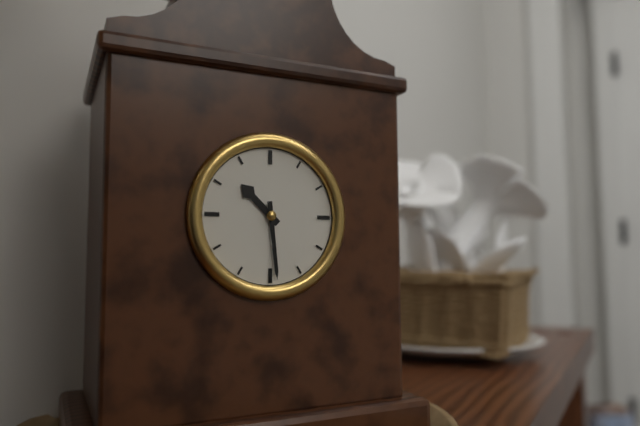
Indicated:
10,29
